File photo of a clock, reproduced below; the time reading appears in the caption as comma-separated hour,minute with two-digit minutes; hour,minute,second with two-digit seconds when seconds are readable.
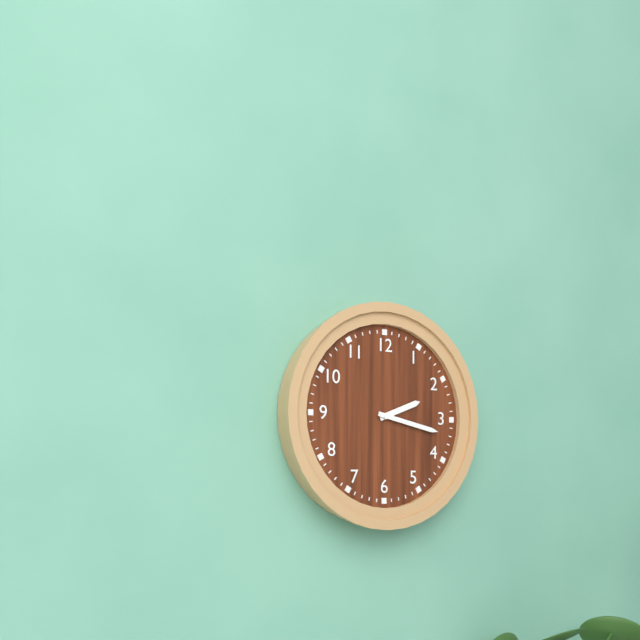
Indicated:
2,17
